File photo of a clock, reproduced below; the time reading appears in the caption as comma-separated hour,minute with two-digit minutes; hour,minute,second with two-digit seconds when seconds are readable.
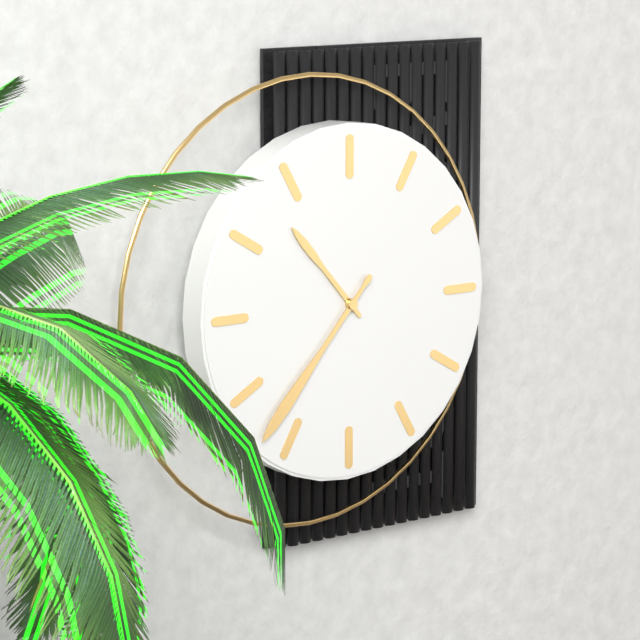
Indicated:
10,37
